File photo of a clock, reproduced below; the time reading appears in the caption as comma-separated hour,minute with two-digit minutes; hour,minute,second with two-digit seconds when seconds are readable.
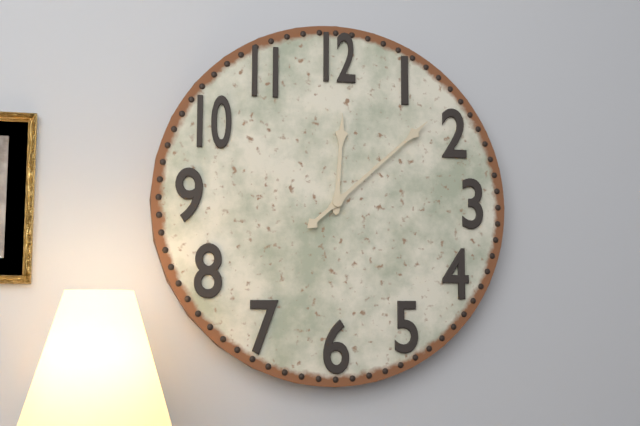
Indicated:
12,08
